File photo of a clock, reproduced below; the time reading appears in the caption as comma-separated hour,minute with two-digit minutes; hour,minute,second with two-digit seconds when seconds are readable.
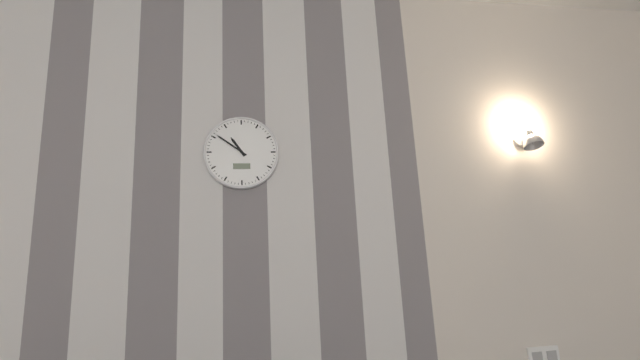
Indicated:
10,51
